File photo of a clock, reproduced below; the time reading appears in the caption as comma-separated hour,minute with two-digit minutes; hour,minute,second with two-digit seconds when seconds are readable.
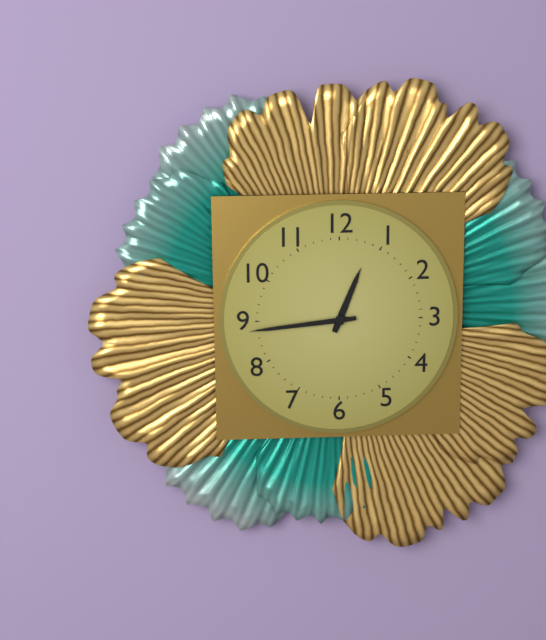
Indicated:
12,44
